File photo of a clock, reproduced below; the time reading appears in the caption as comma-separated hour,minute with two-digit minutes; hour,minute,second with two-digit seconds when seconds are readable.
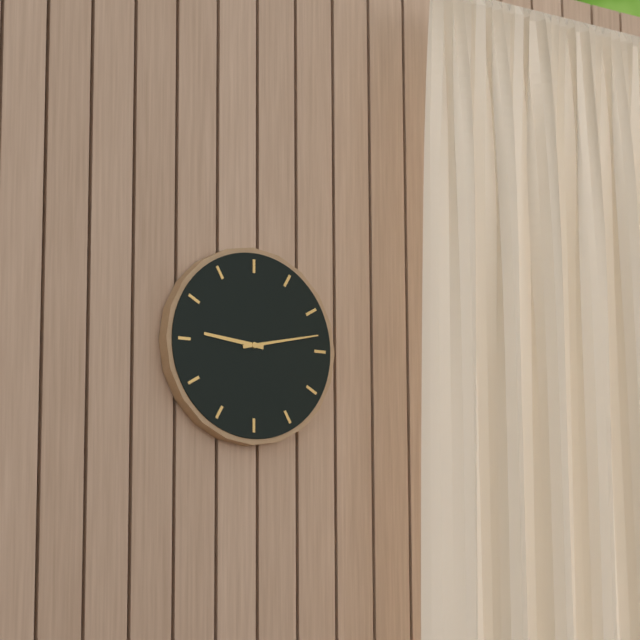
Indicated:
9,13
